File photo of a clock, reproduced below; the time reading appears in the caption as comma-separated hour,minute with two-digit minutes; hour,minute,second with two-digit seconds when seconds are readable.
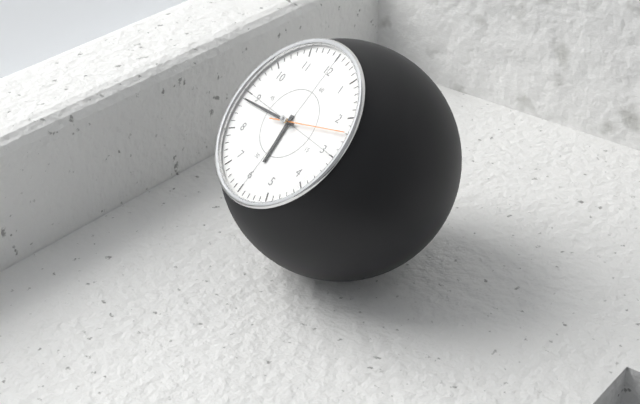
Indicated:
5,44
